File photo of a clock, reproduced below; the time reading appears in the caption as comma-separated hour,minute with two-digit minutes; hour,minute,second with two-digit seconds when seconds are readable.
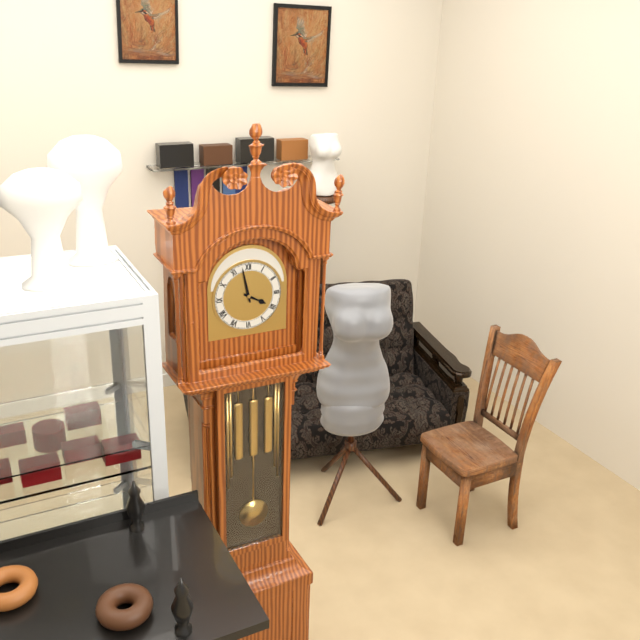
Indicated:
3,58
